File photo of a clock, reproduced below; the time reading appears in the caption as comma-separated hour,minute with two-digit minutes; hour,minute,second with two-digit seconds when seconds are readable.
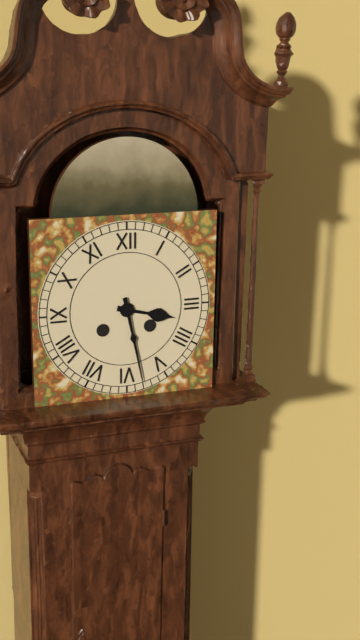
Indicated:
3,28
